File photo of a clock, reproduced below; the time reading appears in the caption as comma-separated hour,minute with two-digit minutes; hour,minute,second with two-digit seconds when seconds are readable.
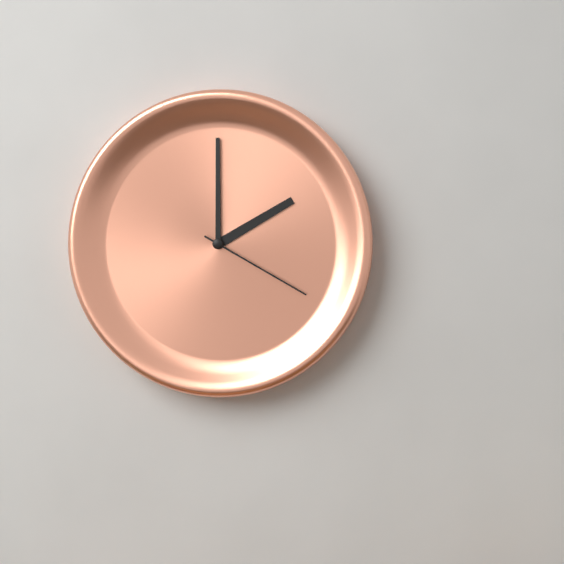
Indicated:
2,00,20
